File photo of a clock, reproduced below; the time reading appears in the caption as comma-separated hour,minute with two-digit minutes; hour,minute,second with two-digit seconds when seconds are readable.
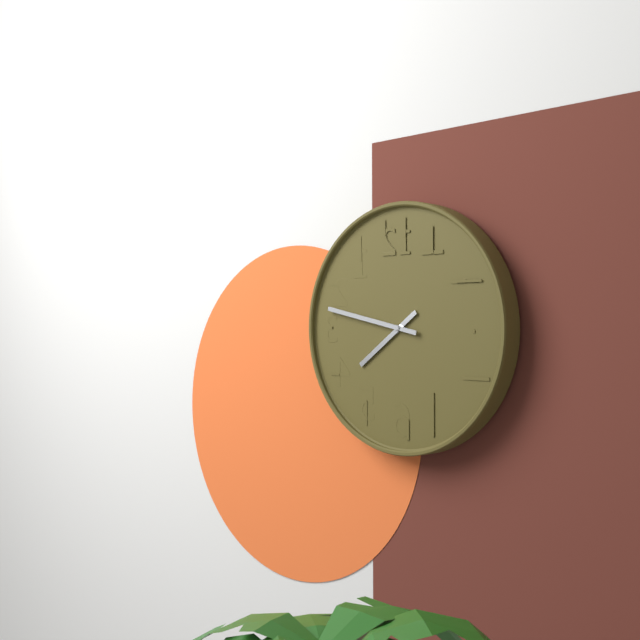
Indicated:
7,47
